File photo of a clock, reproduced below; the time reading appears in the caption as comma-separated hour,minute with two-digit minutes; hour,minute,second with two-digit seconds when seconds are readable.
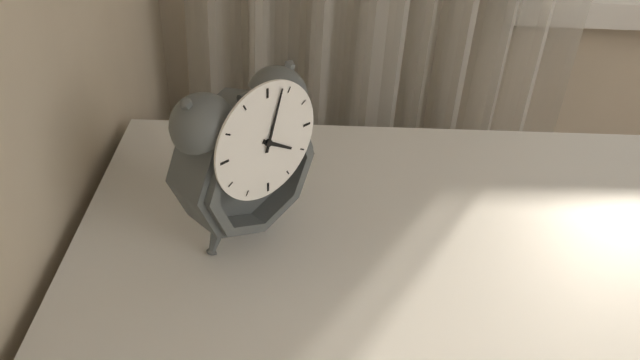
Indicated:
4,03
